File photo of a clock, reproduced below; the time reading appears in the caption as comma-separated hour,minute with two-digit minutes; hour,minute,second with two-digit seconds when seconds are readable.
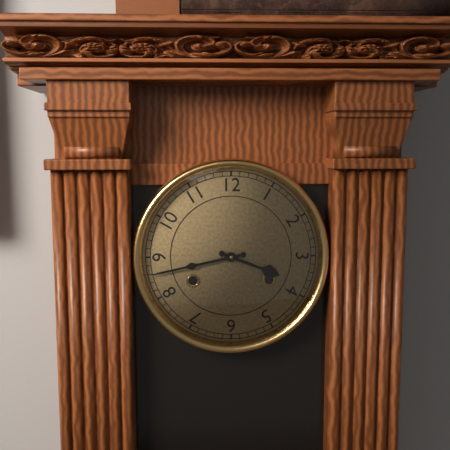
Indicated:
3,43
